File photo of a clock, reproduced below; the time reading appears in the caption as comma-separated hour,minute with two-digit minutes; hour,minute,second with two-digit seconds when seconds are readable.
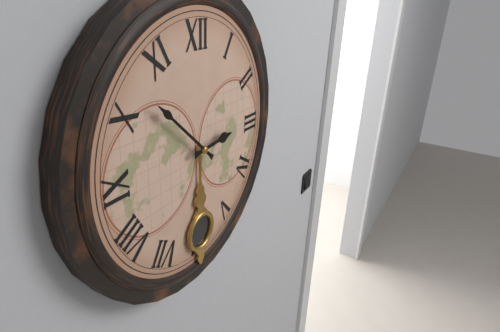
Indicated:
2,52
